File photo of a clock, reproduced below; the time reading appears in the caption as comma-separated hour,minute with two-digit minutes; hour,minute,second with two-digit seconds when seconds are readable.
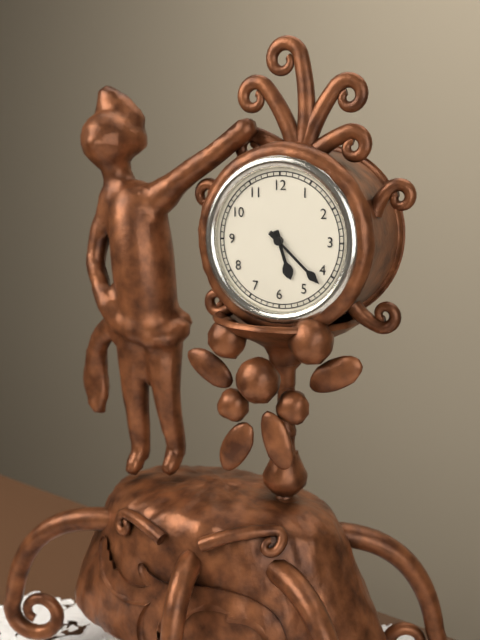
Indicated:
5,22
